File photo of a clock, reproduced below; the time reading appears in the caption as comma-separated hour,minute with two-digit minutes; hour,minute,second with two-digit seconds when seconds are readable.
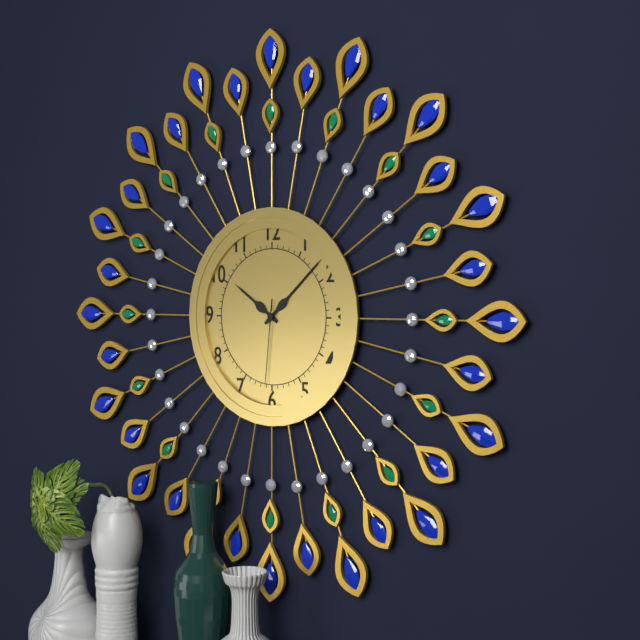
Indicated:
10,08,31
